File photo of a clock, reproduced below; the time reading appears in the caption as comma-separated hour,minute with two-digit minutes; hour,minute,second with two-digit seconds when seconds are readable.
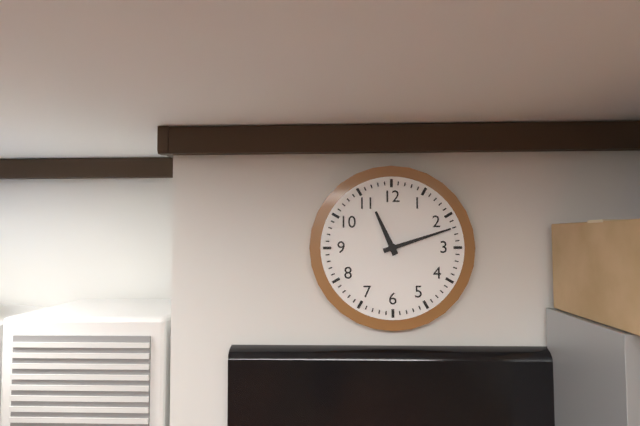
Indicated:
11,12
